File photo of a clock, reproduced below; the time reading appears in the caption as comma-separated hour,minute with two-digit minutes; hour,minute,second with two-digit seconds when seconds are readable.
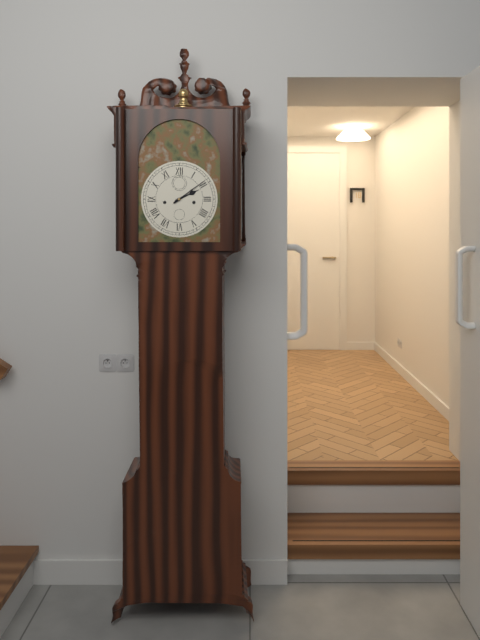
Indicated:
2,09
